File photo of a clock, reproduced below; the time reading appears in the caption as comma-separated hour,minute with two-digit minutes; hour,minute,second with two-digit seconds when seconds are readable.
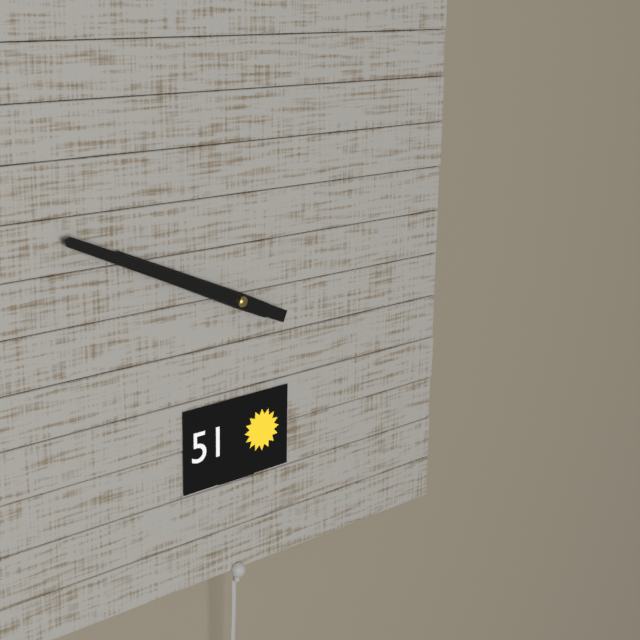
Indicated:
9,49
